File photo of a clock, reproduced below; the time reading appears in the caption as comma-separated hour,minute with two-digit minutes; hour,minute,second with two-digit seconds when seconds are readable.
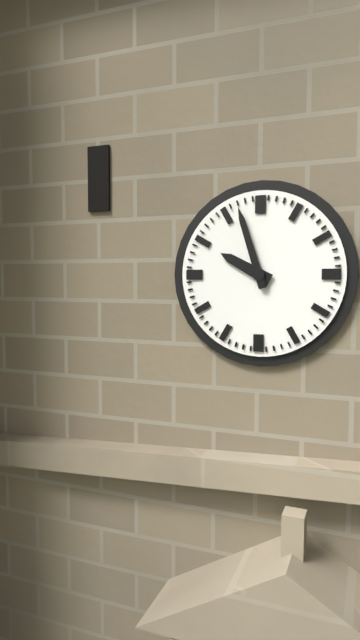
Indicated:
9,57
